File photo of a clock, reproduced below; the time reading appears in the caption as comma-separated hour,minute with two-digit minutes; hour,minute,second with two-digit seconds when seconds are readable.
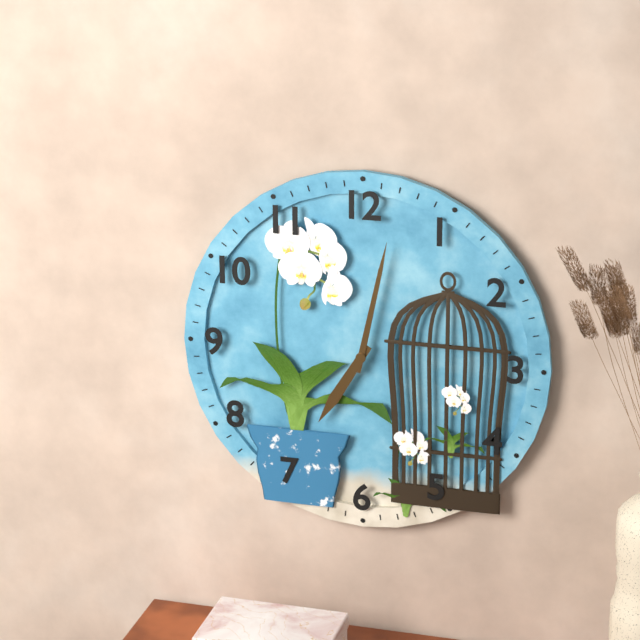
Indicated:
7,02
